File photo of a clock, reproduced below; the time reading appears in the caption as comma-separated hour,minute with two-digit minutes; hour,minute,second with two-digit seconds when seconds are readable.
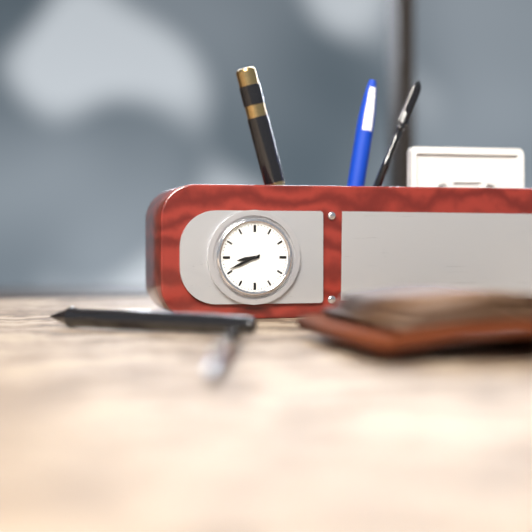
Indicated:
8,41
